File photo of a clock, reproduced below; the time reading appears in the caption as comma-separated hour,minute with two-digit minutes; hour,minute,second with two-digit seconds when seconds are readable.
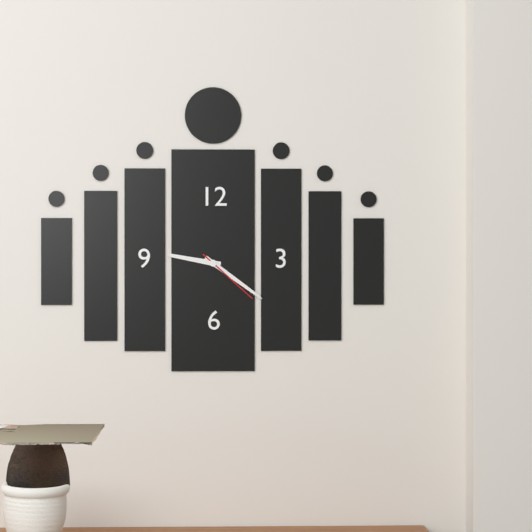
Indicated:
9,21,22
